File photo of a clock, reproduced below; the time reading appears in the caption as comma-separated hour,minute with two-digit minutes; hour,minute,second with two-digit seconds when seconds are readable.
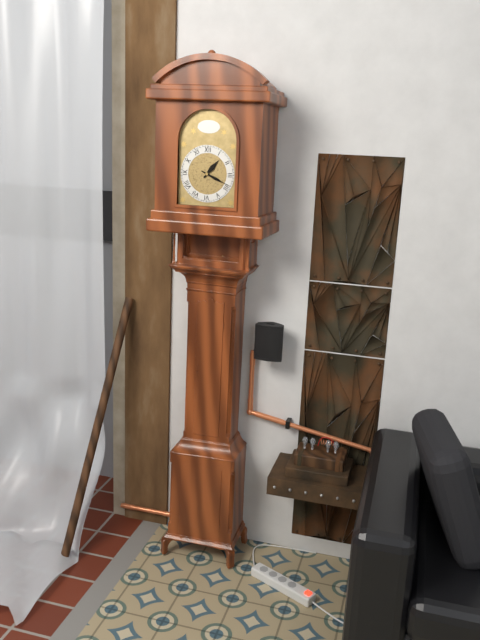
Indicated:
1,19
